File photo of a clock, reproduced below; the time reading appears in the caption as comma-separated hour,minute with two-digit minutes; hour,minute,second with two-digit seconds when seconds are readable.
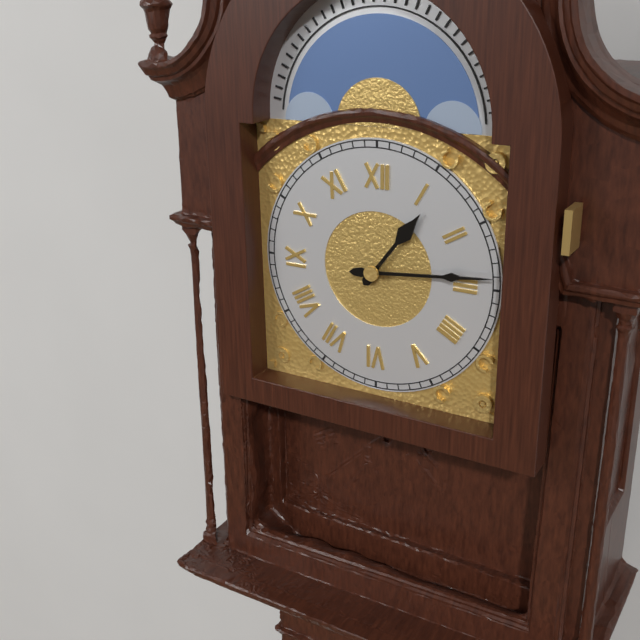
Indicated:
1,14
